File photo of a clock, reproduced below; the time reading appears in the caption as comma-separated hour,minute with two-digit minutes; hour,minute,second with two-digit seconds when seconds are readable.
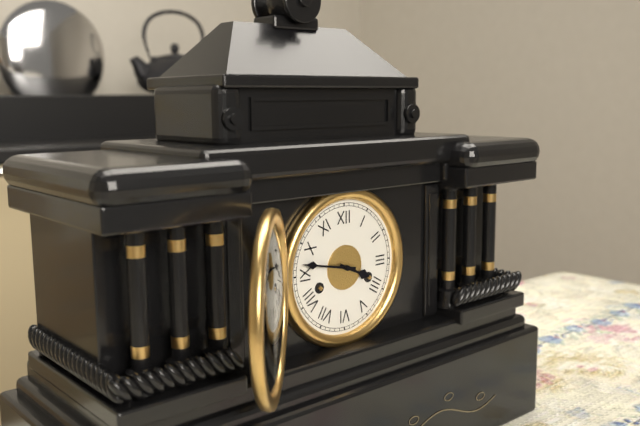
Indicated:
3,47
